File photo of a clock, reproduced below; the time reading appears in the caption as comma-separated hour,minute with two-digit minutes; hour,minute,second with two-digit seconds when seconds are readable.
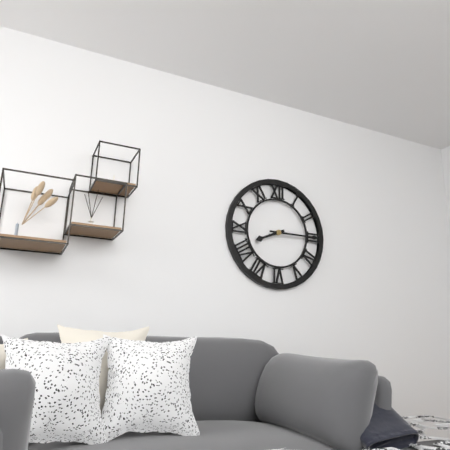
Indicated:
8,15
